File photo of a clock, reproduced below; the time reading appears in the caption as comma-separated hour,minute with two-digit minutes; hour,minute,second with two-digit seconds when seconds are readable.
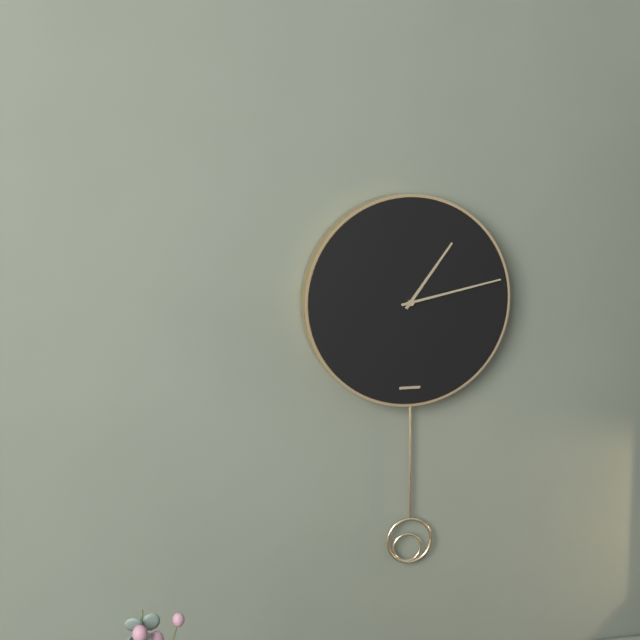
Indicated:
1,13
